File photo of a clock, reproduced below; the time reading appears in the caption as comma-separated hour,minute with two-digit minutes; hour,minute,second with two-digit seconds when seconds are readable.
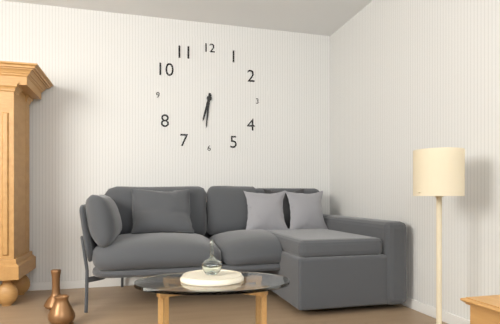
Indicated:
6,31
